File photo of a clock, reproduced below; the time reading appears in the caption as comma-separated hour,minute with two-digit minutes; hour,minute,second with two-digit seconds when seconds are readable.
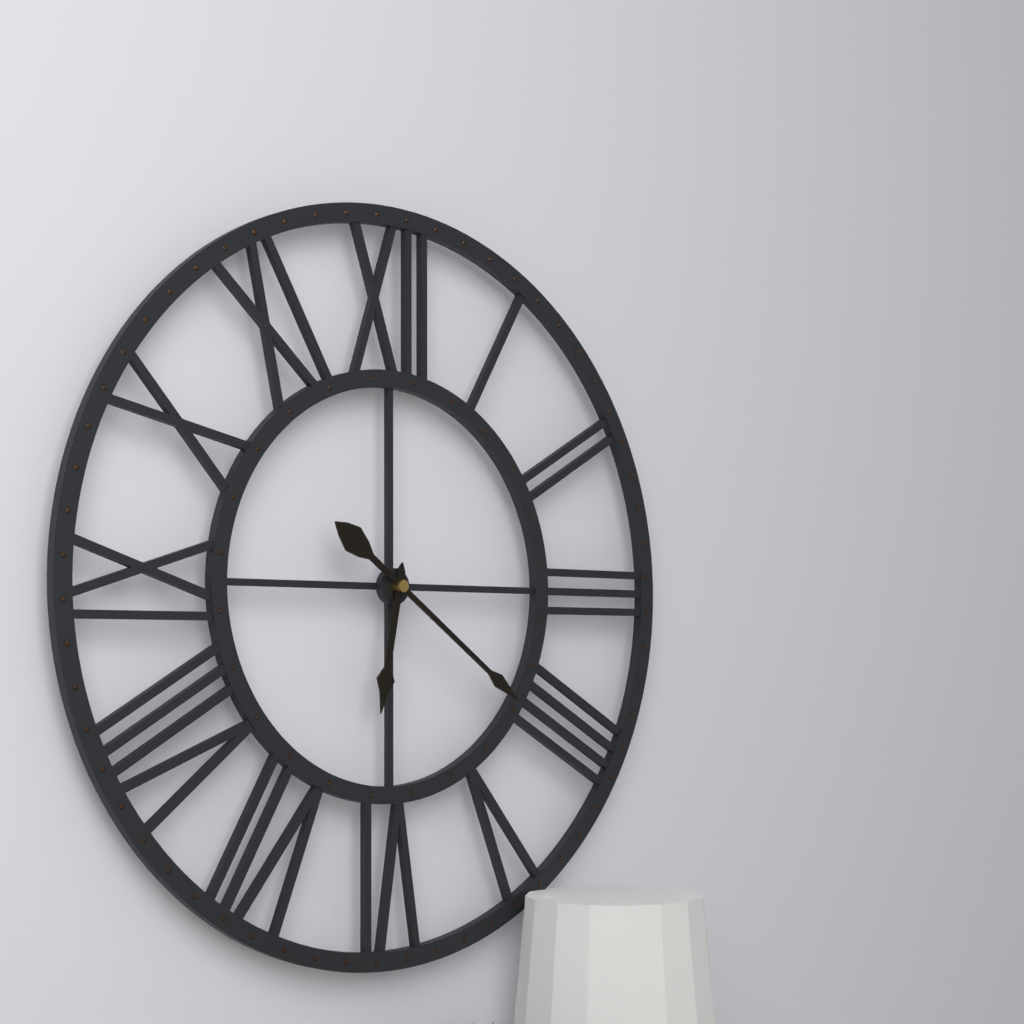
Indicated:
6,21
